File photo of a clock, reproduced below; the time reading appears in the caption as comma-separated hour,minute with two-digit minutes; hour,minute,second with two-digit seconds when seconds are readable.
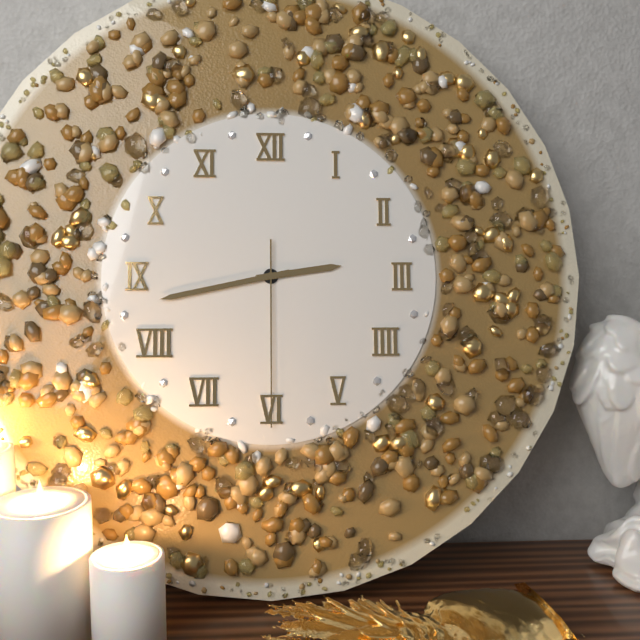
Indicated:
2,43,30
